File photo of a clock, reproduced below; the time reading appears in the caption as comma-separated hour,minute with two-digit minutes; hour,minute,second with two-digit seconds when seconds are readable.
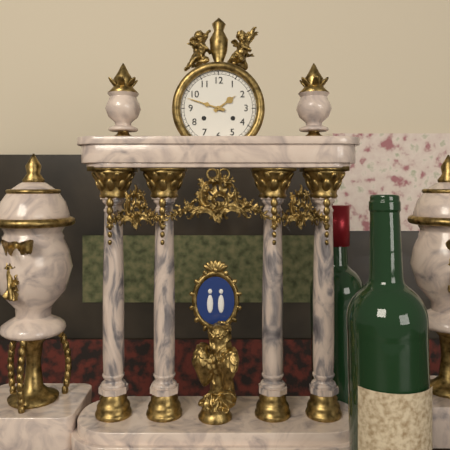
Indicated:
1,48
